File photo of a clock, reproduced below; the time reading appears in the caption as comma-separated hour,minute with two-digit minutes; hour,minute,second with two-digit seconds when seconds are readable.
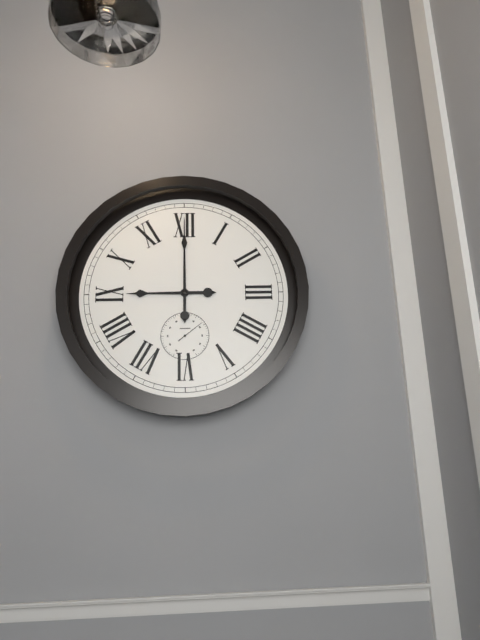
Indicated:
9,00
